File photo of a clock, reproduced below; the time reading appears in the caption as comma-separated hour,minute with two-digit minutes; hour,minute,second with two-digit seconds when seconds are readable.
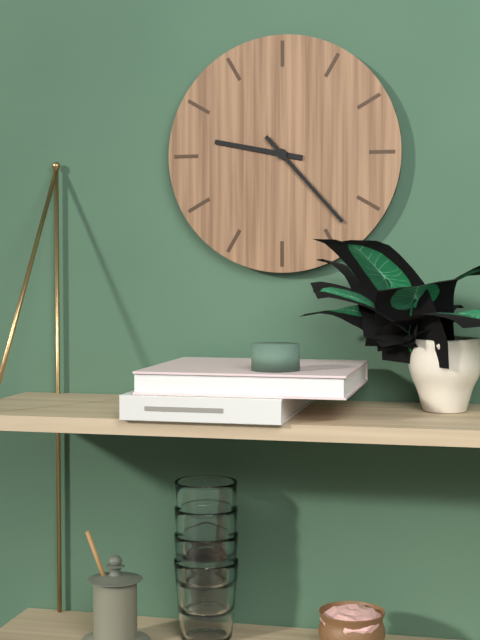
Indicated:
9,23
